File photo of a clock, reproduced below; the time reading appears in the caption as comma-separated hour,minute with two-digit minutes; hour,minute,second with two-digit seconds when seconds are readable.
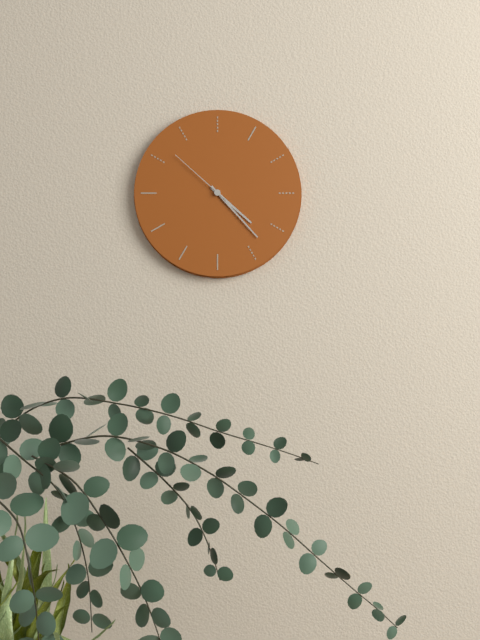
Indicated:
4,23,52
